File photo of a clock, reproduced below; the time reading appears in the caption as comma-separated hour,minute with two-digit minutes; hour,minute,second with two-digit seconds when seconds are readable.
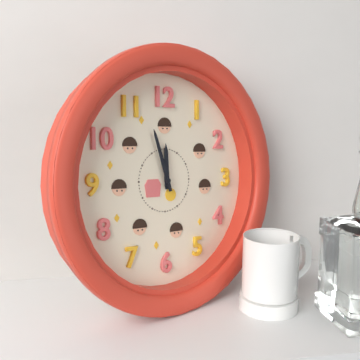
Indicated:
11,57
